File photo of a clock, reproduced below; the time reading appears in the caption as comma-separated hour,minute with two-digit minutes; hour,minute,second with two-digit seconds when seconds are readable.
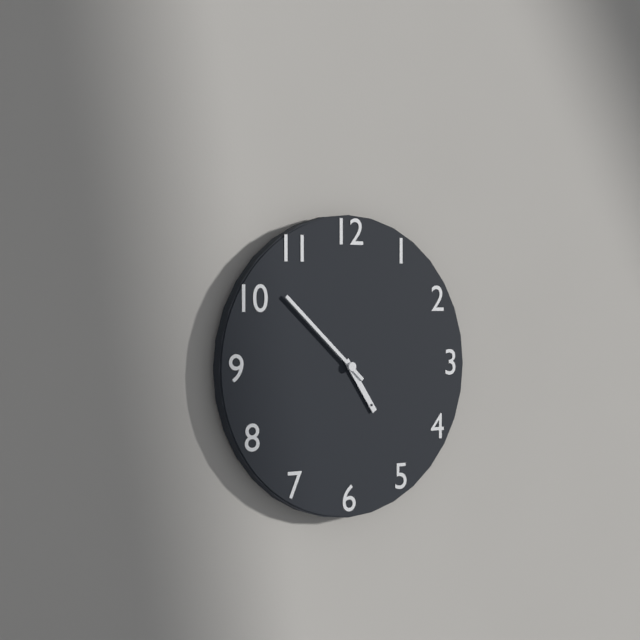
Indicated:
4,52
